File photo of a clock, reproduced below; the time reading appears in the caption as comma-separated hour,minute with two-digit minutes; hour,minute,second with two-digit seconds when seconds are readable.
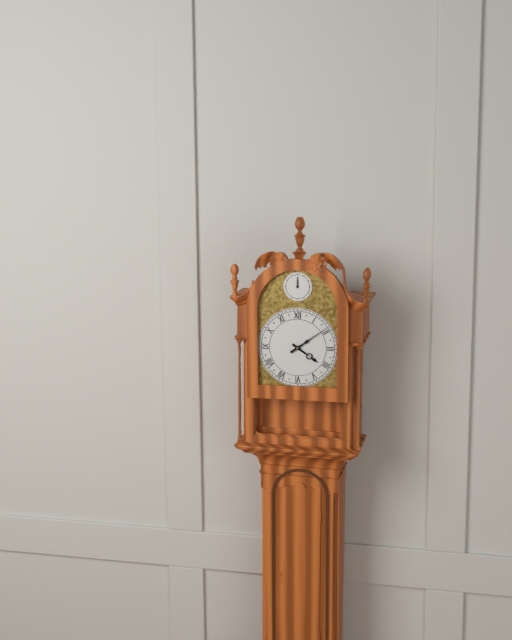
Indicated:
4,09
